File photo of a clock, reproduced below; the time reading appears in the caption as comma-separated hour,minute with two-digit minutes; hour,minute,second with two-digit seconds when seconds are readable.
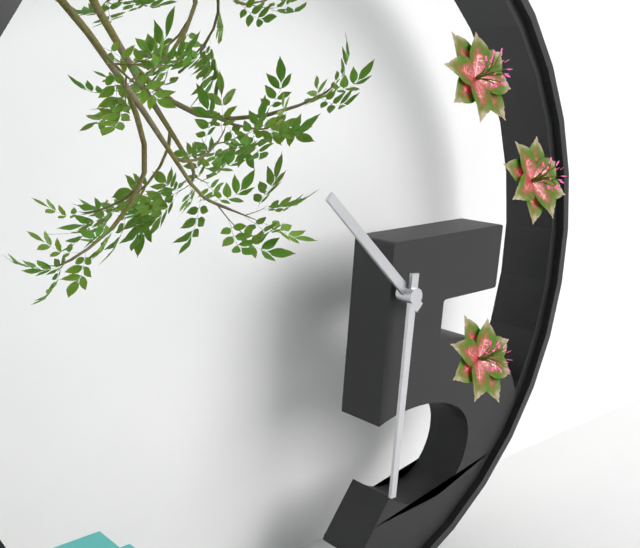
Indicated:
10,31
